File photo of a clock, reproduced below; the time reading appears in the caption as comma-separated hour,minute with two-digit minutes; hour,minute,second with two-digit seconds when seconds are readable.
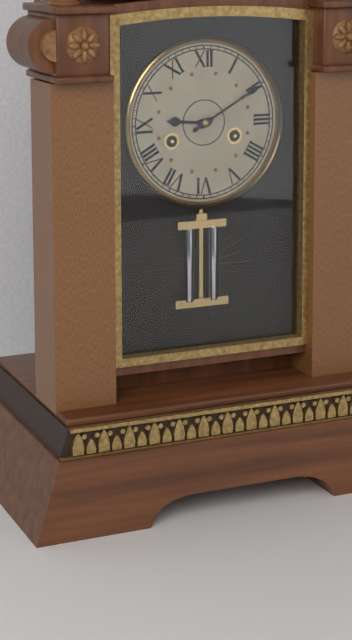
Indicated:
9,10
